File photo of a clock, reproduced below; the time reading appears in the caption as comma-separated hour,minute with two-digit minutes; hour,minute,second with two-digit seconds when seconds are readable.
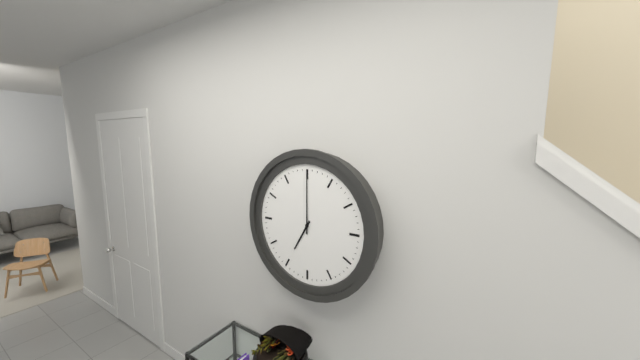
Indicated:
7,00
